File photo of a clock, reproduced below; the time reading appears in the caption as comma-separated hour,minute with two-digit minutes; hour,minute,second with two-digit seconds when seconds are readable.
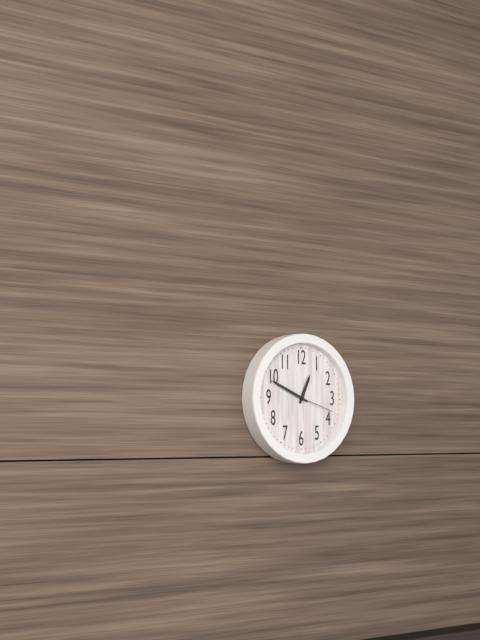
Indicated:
12,49
